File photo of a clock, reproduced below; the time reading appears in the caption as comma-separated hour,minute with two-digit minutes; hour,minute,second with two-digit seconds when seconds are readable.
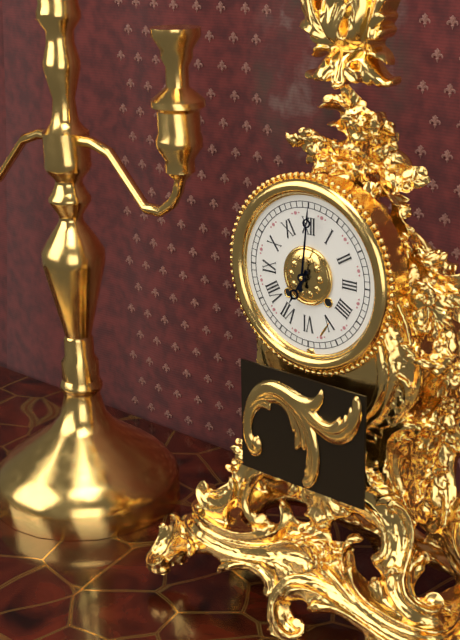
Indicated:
7,01
